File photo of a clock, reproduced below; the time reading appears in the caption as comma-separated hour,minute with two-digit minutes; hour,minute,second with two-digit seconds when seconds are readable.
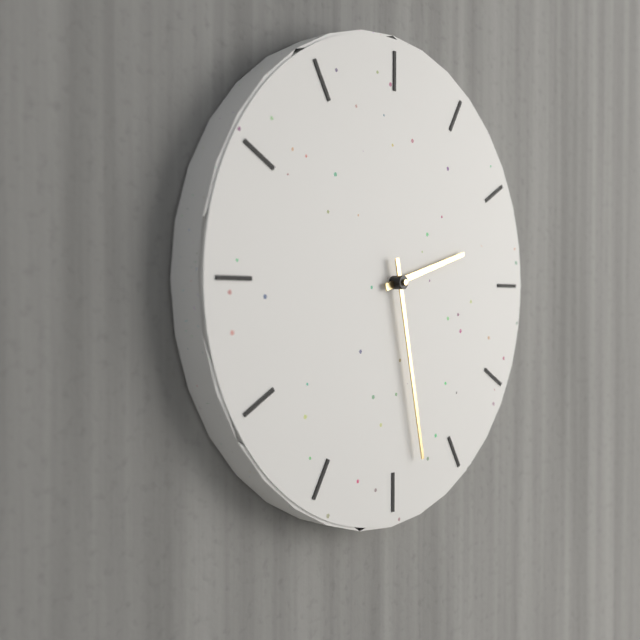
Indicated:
2,28
